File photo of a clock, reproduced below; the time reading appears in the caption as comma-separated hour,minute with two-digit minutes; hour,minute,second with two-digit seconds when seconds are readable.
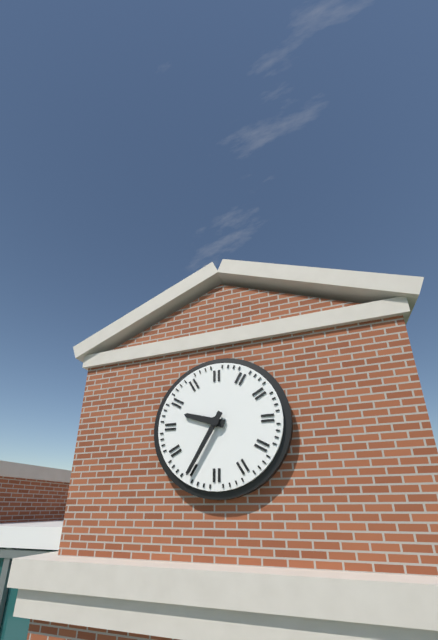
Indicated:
9,35
